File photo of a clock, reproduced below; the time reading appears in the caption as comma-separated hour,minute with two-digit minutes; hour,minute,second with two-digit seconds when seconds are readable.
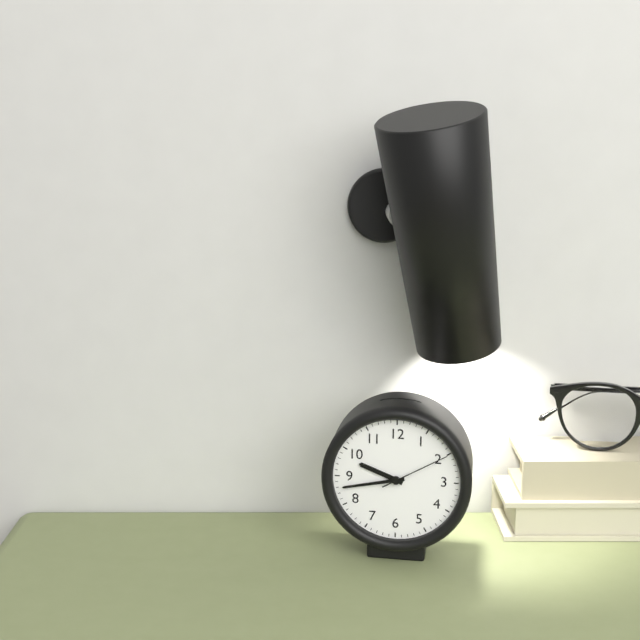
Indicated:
9,43,10
